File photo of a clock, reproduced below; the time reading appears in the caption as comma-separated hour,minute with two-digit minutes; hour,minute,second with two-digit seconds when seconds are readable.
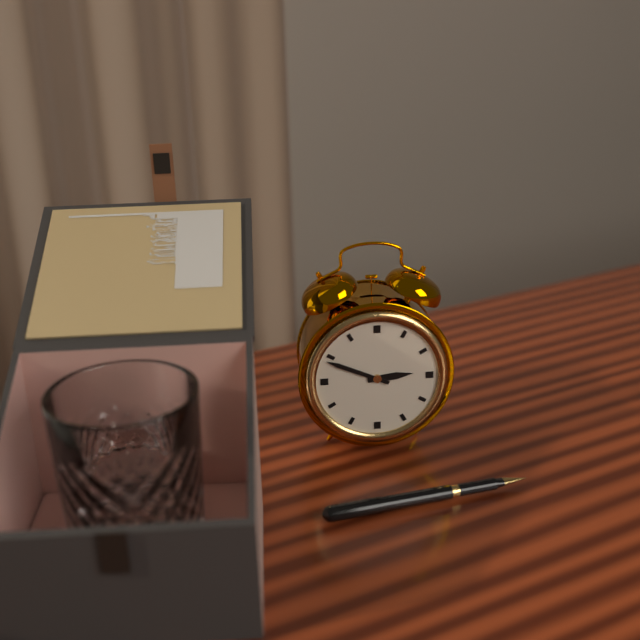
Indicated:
2,49
